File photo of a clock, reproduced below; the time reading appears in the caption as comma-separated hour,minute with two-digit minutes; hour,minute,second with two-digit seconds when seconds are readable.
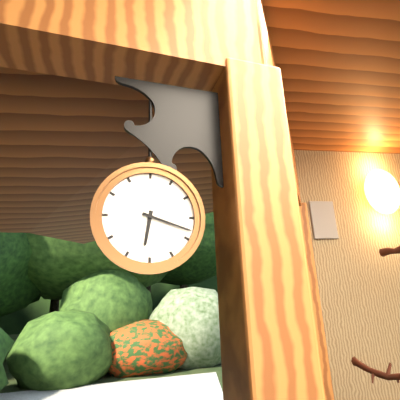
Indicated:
6,18
